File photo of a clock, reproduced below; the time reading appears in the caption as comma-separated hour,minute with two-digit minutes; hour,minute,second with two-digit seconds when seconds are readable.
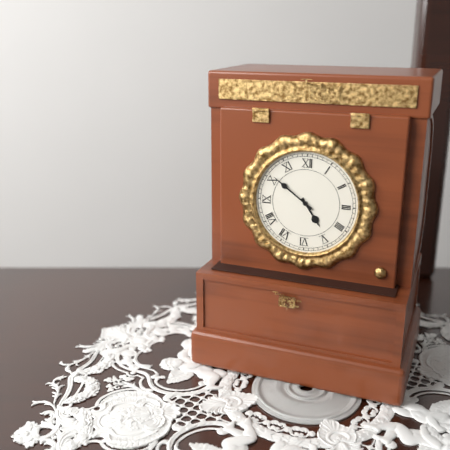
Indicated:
4,51
